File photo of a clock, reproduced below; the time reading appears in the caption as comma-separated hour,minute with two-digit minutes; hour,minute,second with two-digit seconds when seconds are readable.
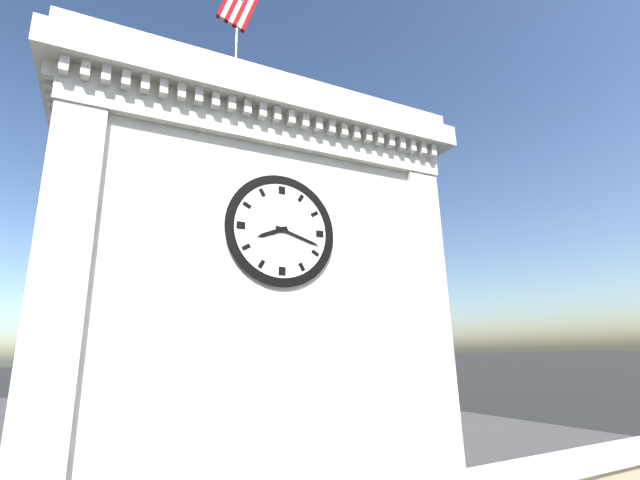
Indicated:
8,18
